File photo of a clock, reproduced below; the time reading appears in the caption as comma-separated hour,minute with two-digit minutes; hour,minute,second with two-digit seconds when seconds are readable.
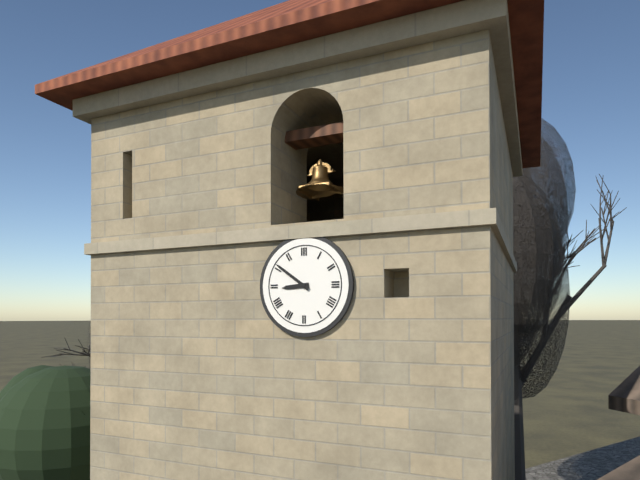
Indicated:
8,51
